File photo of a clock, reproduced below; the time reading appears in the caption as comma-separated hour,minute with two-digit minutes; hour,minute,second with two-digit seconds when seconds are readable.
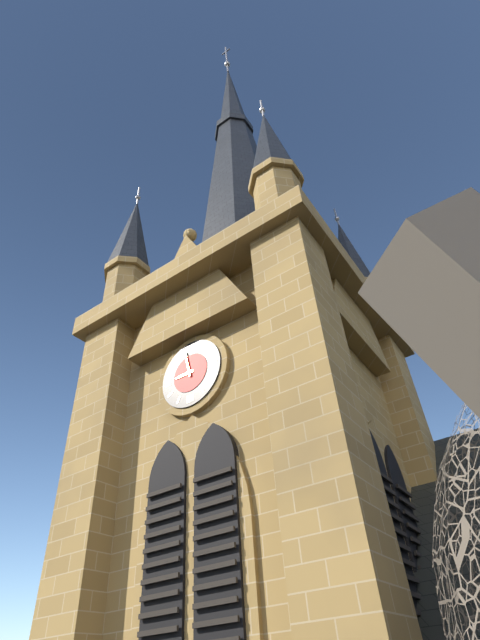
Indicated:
8,58
